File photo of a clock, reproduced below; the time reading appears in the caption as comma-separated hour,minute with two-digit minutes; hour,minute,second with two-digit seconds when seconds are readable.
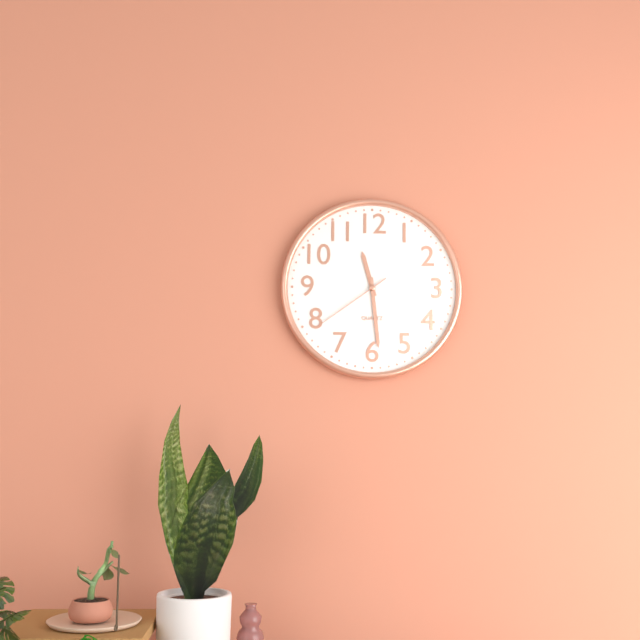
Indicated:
11,29,39
